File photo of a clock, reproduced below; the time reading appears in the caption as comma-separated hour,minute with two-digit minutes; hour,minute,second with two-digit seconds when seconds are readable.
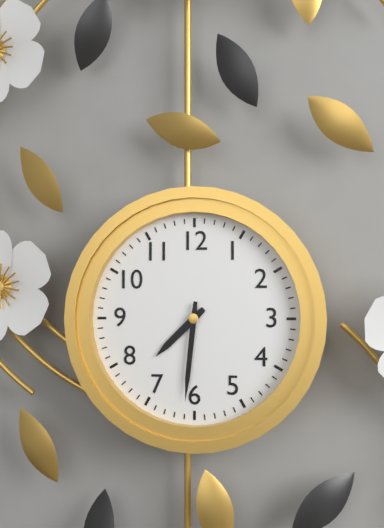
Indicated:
7,31
